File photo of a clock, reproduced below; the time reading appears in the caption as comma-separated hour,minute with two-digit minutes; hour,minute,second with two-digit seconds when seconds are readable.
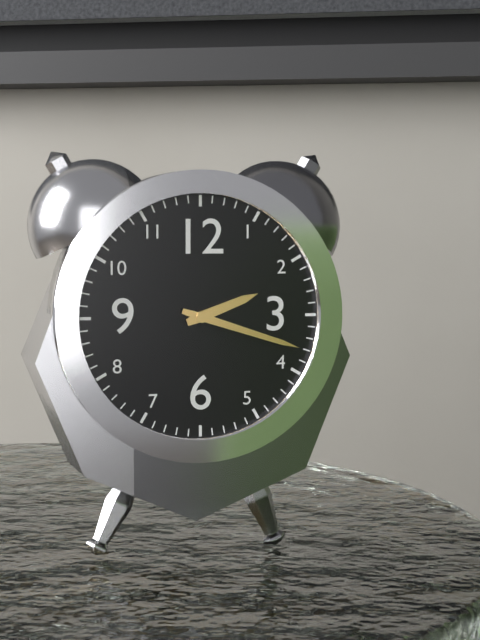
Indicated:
2,18
